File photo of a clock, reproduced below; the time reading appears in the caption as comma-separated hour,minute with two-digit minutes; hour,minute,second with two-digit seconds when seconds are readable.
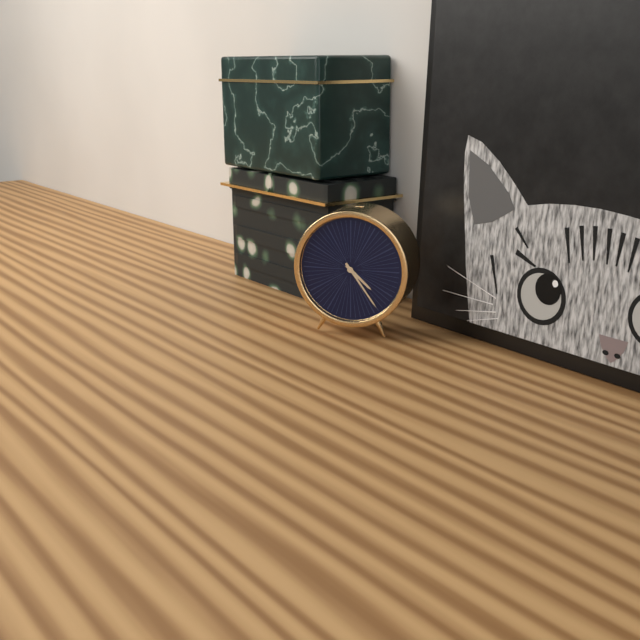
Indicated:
4,24
